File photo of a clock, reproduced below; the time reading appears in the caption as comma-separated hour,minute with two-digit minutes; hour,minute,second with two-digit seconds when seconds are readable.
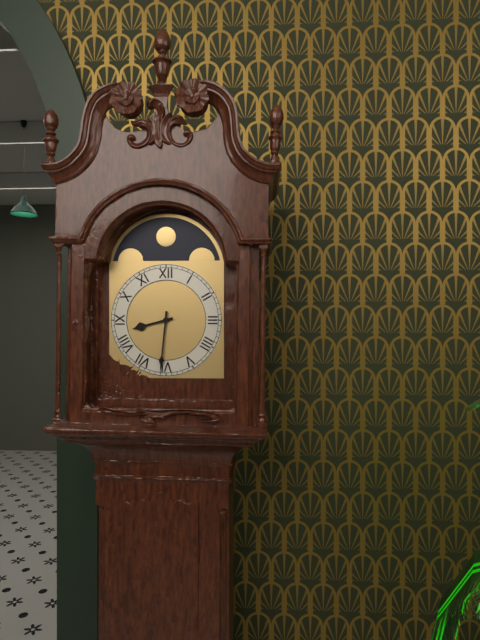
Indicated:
8,31
